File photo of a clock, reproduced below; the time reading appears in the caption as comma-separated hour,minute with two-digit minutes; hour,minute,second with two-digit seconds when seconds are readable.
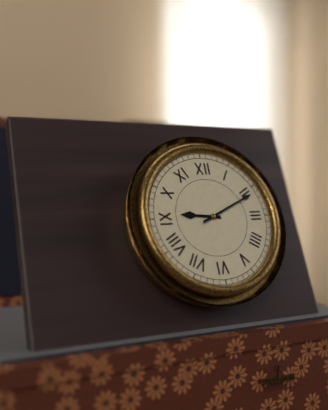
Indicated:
9,11
